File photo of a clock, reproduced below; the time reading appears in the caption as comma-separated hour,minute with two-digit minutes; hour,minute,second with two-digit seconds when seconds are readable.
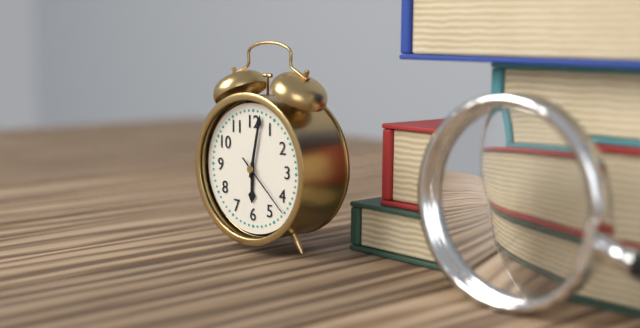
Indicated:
6,02,22
